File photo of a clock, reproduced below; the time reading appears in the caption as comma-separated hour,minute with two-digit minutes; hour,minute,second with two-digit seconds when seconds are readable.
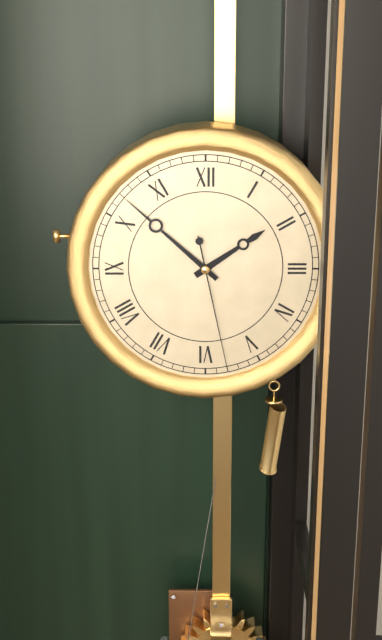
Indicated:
1,52,28
